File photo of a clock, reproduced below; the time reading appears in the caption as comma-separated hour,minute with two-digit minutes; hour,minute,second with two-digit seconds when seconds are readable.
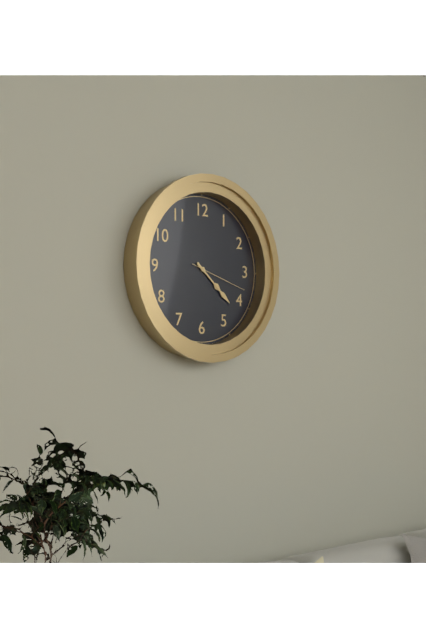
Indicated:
4,22,18
